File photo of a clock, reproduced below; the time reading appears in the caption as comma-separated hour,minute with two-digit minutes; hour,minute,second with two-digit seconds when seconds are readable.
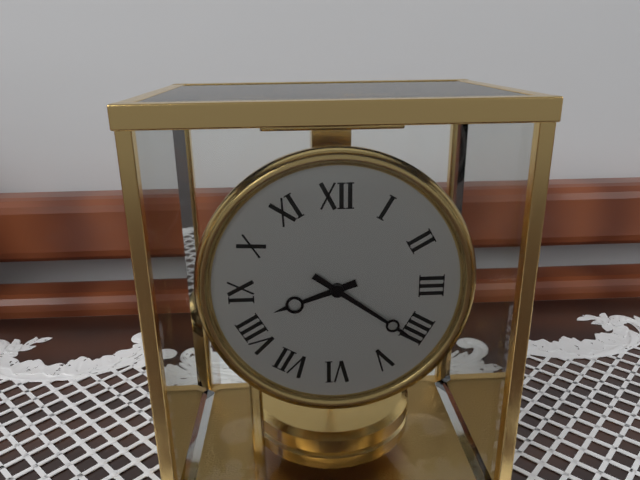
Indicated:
8,21
